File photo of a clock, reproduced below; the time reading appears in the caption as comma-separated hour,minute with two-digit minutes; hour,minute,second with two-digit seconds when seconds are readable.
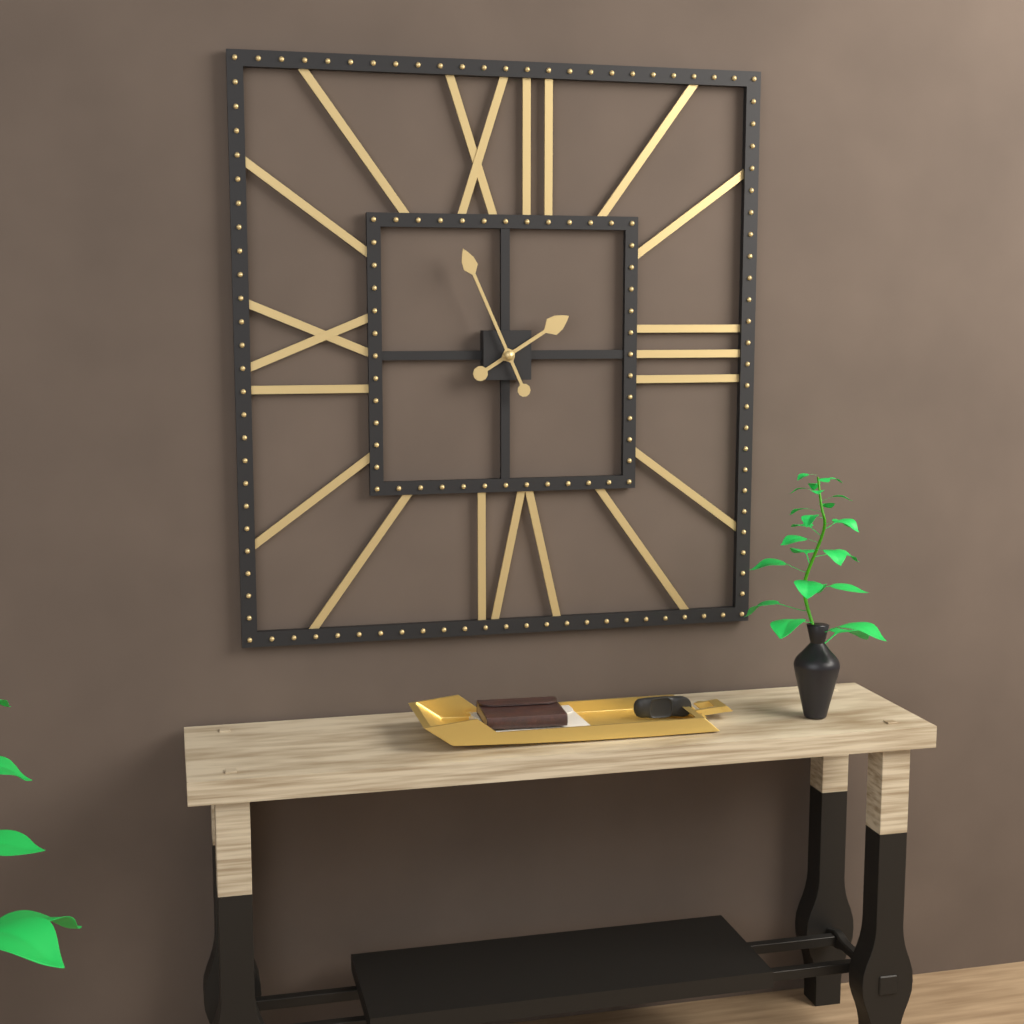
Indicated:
1,56
